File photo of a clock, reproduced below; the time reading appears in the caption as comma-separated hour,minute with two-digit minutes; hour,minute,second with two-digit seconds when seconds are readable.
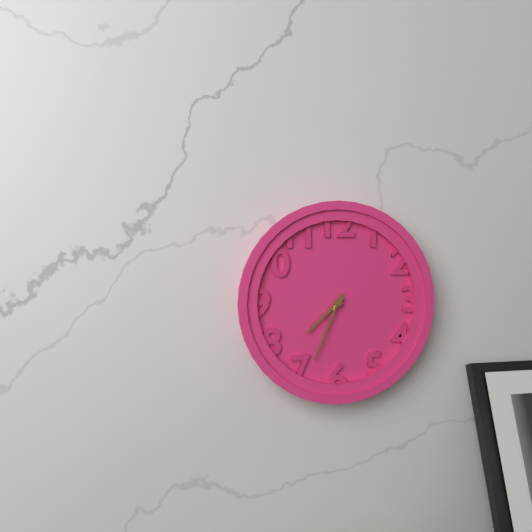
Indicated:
7,34
